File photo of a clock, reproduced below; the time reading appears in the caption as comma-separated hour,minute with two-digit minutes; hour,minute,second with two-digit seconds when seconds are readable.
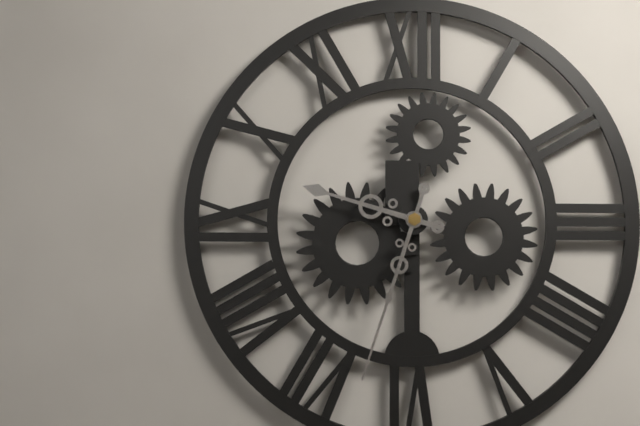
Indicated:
9,33
